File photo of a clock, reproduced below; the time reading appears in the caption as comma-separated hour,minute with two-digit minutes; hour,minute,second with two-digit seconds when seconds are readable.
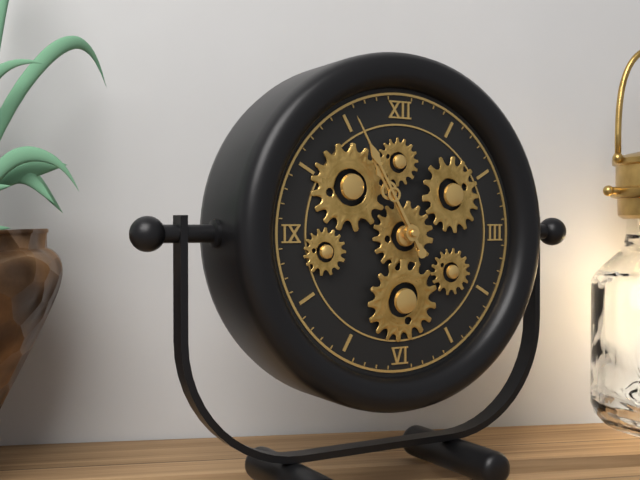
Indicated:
10,55
